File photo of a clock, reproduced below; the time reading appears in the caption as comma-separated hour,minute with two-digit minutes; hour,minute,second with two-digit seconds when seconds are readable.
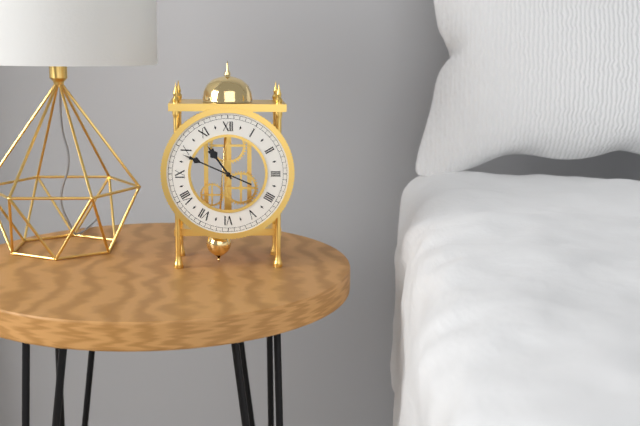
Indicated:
10,49
